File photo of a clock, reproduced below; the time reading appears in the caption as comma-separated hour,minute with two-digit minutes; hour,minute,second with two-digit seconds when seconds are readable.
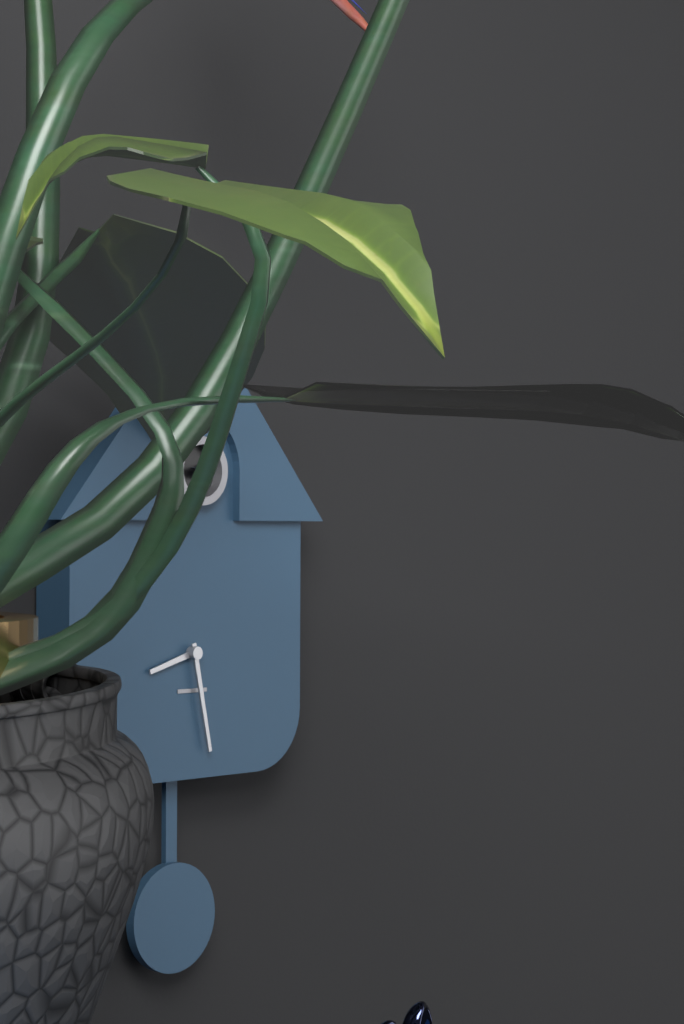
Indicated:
8,28
